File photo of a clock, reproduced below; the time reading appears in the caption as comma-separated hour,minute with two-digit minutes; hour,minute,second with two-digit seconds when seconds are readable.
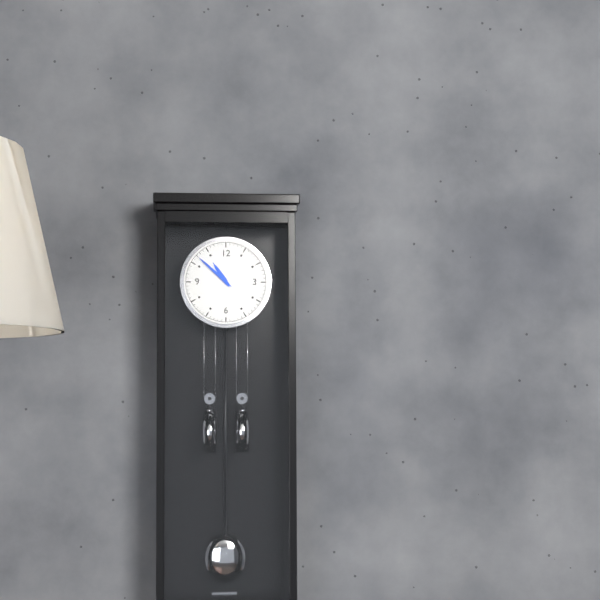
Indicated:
10,52
